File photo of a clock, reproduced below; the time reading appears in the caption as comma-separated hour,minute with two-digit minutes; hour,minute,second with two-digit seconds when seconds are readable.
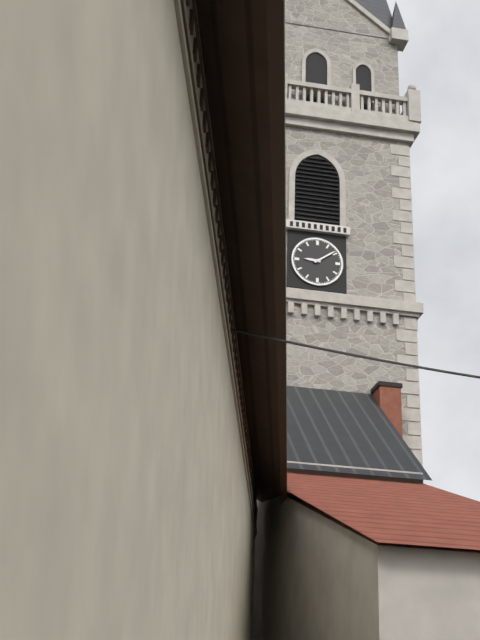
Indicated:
9,09
